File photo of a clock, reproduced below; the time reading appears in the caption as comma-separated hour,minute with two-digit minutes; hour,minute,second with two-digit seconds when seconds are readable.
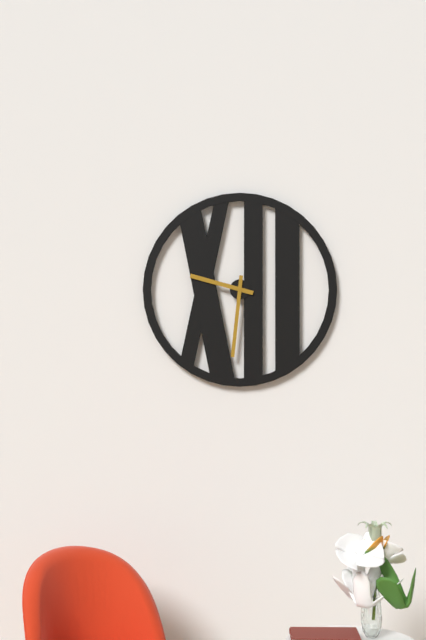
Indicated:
9,31
